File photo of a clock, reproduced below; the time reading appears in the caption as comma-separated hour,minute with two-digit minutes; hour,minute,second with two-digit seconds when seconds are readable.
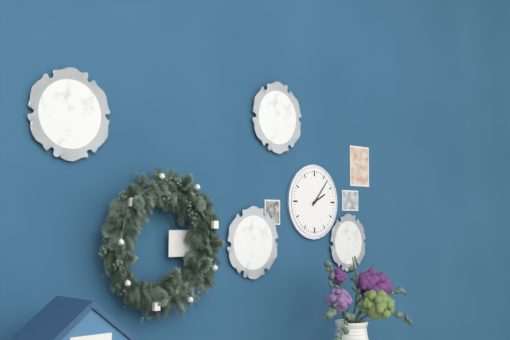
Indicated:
2,07
